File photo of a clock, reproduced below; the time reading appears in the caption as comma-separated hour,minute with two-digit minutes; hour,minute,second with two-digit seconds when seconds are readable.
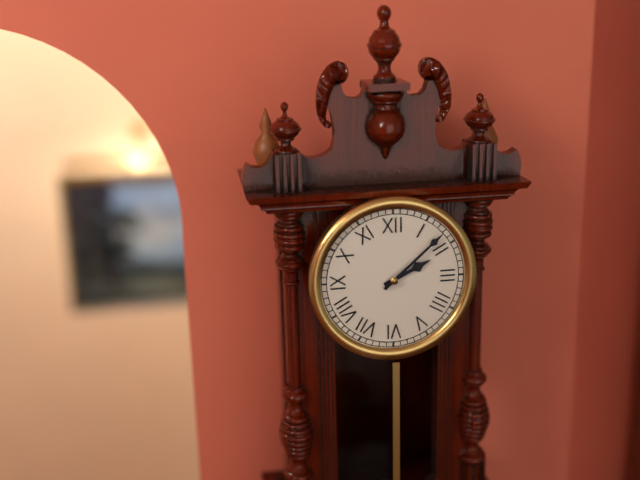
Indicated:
2,08
